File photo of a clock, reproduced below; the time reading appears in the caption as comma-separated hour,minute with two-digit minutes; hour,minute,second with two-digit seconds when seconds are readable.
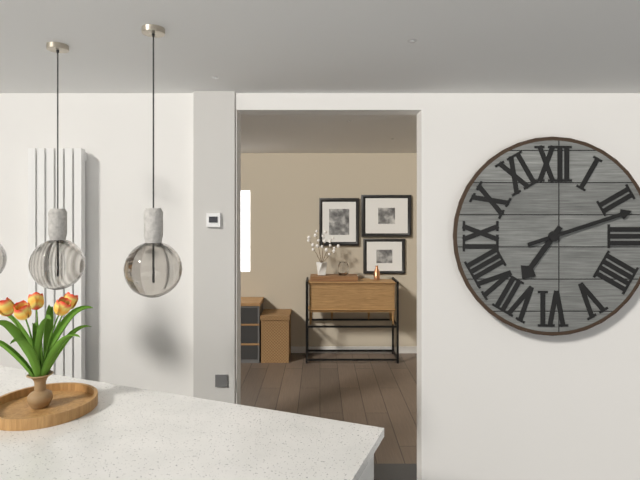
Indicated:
7,12
